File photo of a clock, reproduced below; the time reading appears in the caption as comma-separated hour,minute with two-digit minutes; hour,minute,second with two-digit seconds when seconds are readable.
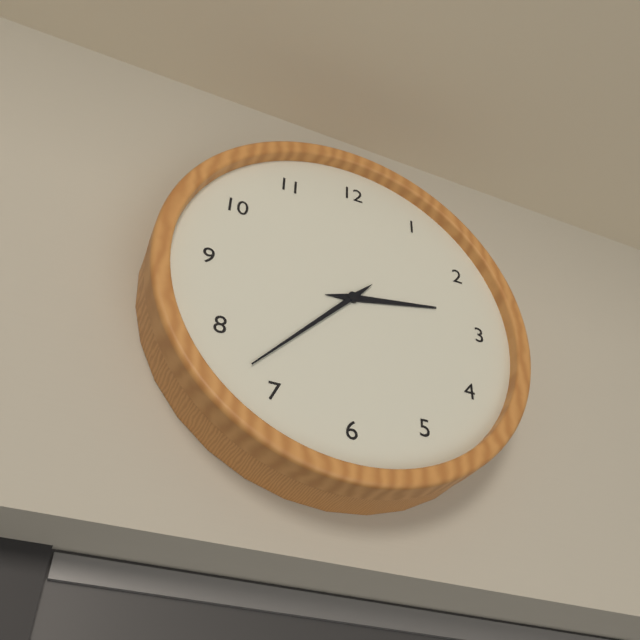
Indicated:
2,37
